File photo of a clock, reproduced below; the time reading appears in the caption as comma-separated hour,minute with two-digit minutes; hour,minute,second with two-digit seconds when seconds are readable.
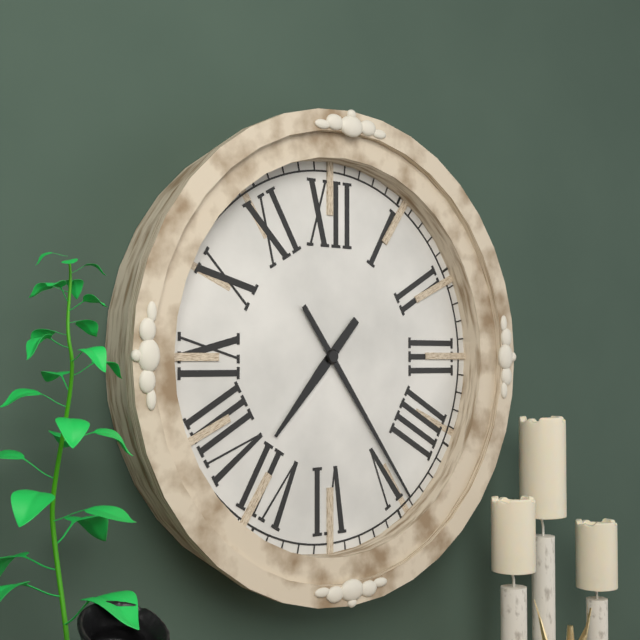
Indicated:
7,24
